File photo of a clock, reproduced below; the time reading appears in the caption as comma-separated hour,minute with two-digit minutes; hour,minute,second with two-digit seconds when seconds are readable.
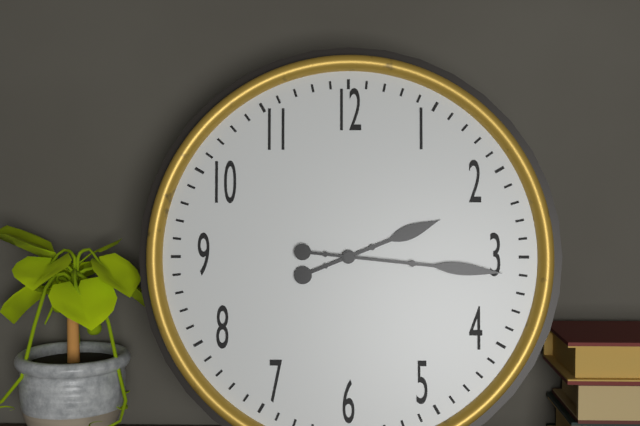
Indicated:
2,16
